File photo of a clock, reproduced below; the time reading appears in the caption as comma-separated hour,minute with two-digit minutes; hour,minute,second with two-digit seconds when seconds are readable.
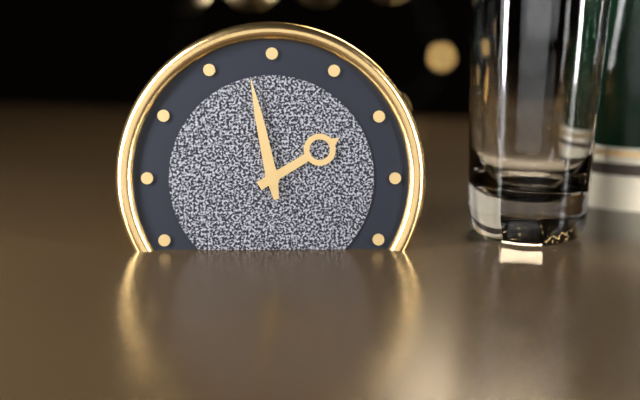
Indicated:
1,58
